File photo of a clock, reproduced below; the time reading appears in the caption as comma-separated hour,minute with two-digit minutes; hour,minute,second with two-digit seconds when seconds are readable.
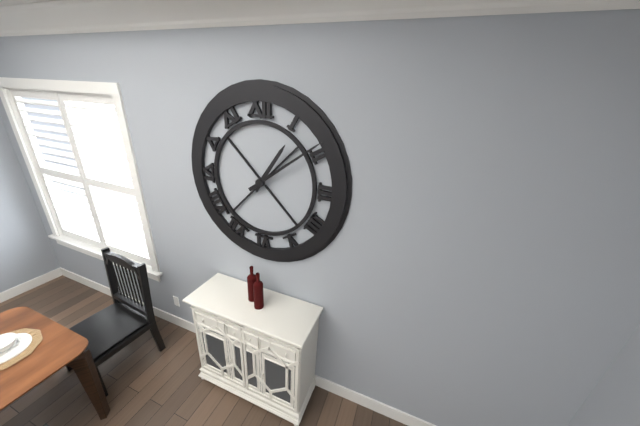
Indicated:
1,09
